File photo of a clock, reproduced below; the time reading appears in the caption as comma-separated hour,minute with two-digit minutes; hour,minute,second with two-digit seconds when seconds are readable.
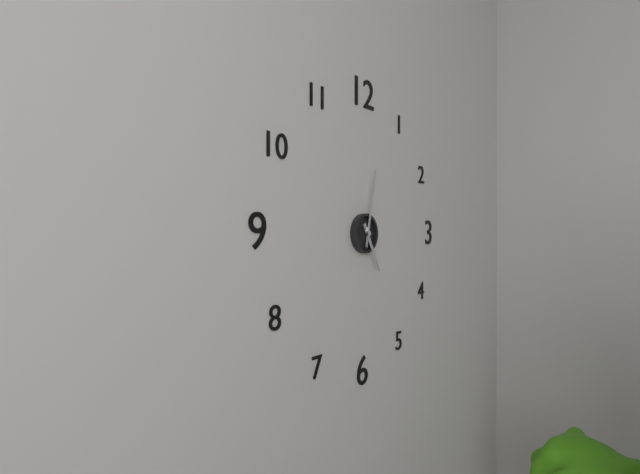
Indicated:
5,02
